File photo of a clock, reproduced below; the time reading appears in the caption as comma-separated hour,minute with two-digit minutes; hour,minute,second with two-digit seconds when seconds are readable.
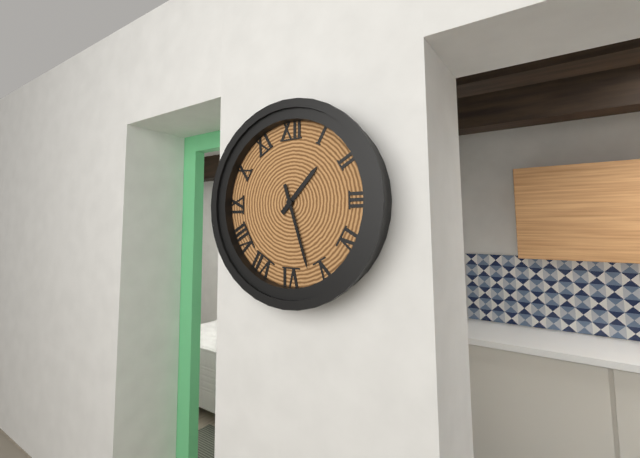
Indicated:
1,27
